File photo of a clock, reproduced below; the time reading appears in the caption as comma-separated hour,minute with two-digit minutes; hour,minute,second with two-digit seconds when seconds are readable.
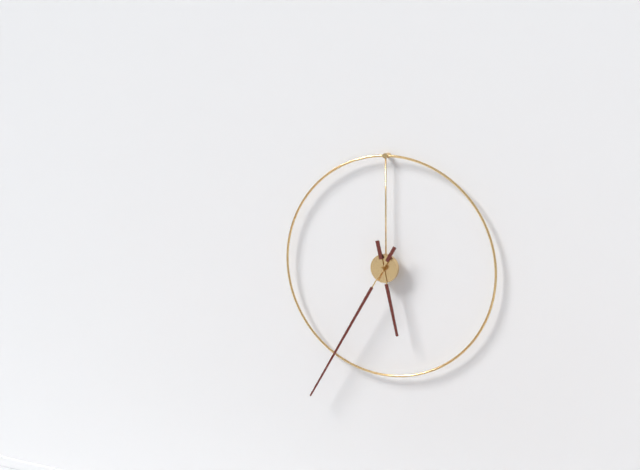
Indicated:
5,35
